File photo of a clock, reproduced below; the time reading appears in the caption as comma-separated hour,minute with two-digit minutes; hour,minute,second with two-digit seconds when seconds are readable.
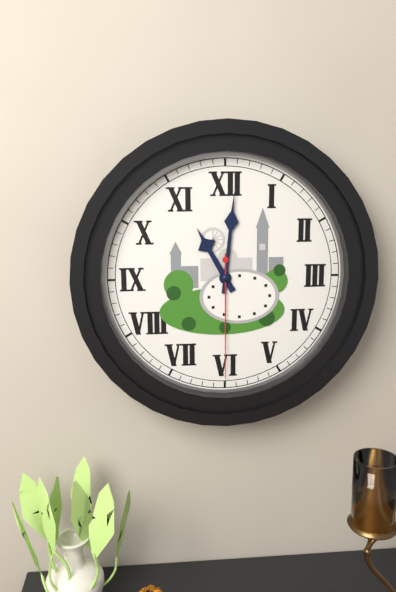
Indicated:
11,01,30
